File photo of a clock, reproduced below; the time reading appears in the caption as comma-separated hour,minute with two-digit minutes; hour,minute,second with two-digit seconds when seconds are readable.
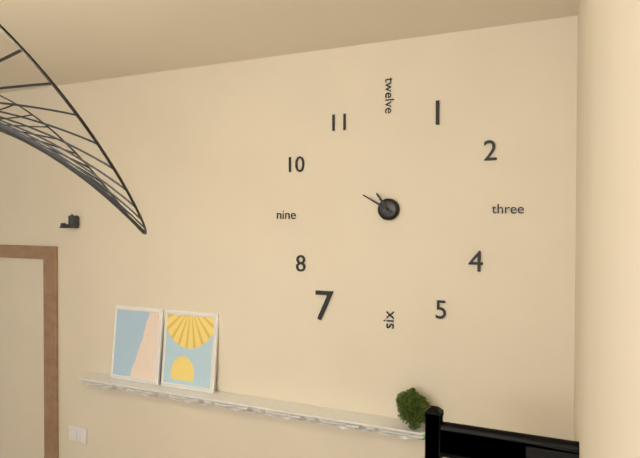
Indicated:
10,50
